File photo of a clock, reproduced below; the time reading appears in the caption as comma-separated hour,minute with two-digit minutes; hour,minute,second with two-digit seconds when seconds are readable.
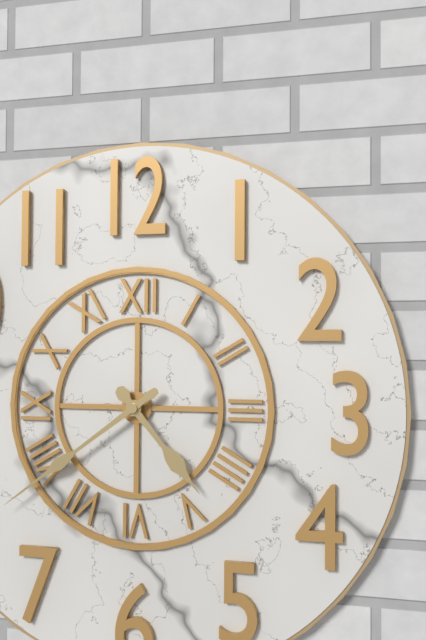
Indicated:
4,39
